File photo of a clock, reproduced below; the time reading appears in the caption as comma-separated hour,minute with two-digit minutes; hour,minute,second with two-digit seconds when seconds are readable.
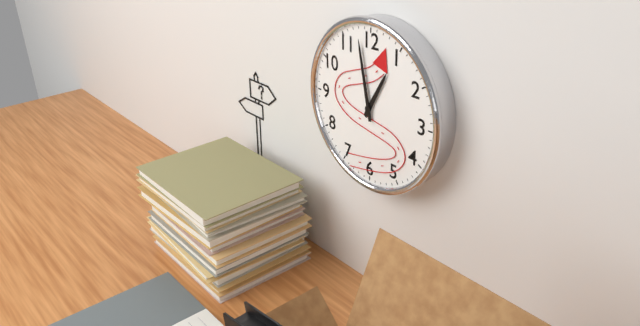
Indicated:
12,58
